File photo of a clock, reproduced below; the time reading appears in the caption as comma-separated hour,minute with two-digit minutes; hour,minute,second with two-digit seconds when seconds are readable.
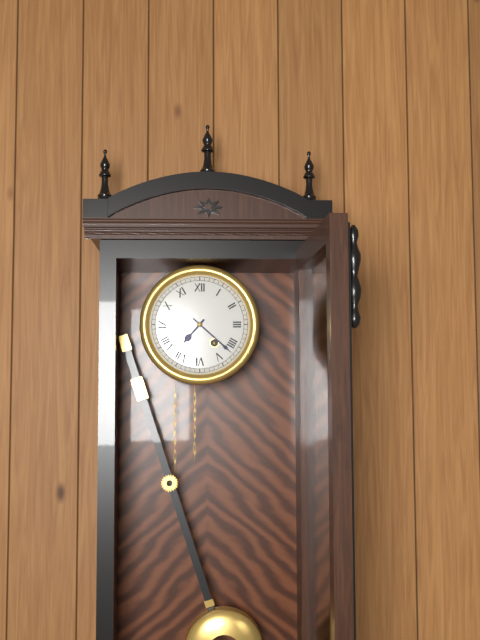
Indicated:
7,22
